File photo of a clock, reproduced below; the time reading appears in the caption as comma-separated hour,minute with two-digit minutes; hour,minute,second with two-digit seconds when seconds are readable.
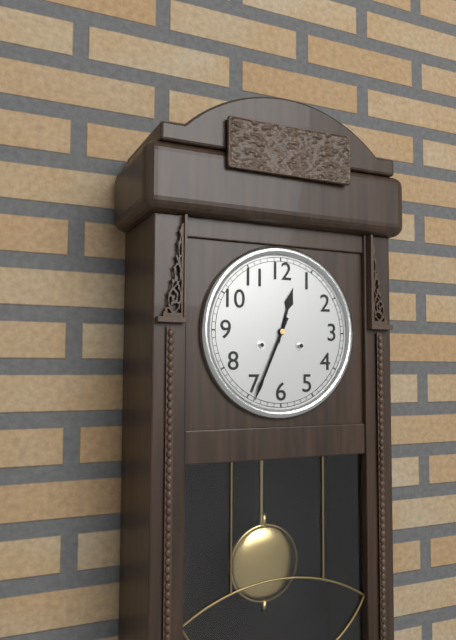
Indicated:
12,34
